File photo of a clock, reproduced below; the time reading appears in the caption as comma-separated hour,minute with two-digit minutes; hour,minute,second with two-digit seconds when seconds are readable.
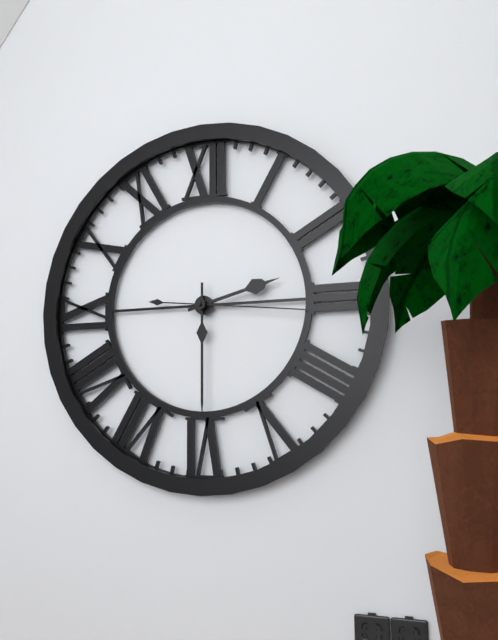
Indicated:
2,30,16
